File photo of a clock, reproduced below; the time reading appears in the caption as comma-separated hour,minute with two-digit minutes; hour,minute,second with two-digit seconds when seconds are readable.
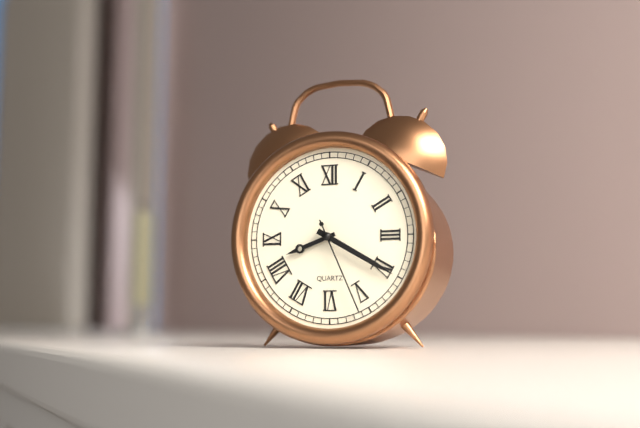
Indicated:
8,20,26
